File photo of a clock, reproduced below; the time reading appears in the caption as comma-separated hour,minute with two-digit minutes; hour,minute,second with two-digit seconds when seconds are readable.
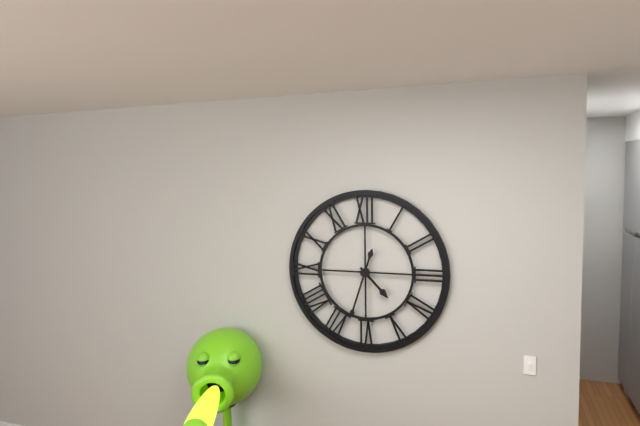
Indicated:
4,33
